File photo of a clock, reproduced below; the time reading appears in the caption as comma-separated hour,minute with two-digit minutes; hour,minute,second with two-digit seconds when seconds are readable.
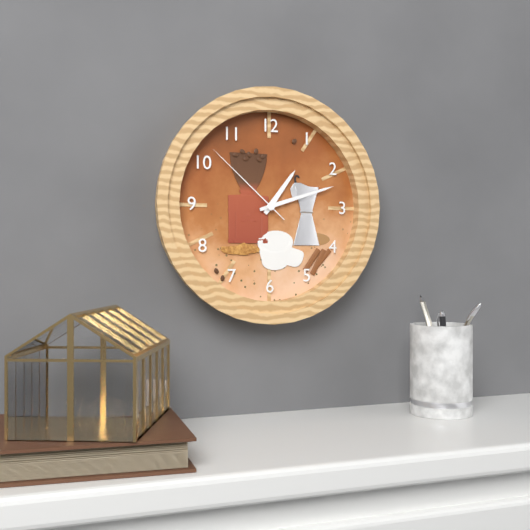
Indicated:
1,12,52
